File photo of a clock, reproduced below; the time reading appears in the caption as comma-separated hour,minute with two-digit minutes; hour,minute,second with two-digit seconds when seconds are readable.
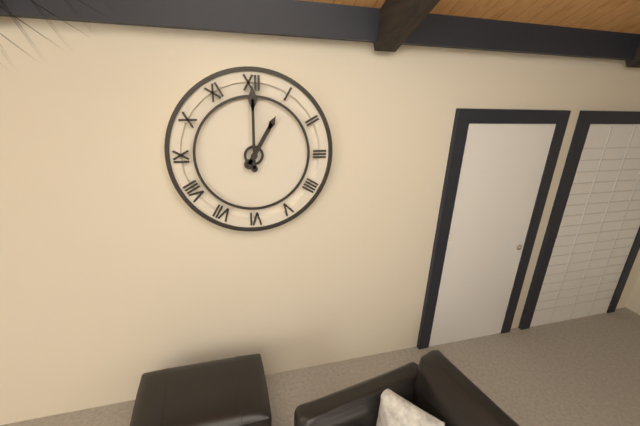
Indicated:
1,00
